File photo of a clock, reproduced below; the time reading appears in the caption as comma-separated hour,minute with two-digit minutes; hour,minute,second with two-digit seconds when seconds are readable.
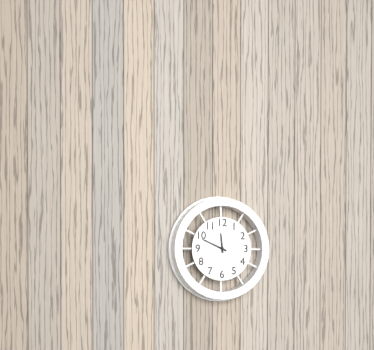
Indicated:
11,49
